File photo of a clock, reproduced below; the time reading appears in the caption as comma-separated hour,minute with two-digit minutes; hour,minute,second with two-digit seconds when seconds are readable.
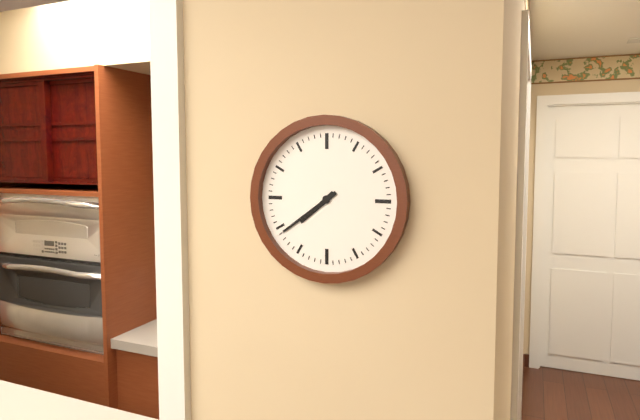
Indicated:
7,39
